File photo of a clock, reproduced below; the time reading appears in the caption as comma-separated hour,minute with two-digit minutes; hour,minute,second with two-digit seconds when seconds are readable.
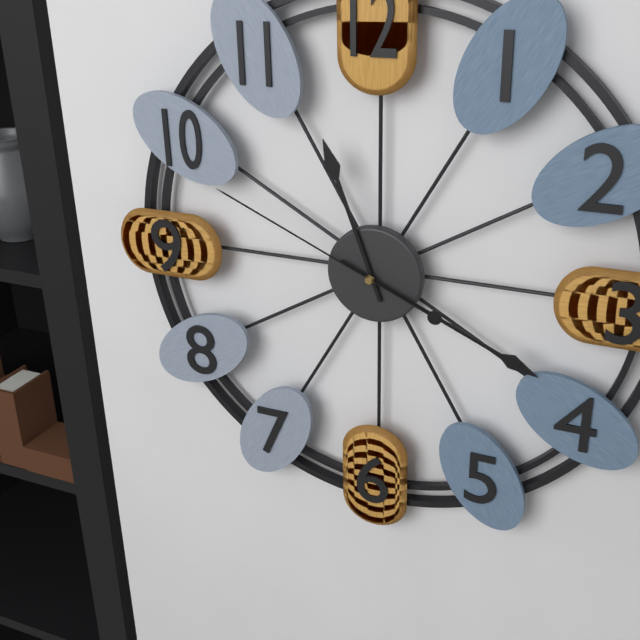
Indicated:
11,19,49
